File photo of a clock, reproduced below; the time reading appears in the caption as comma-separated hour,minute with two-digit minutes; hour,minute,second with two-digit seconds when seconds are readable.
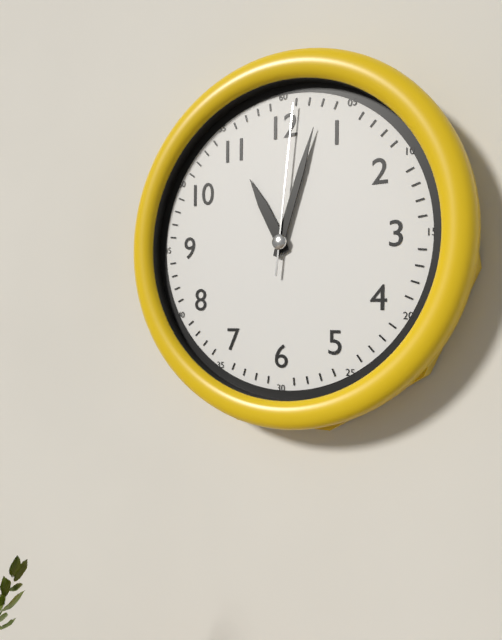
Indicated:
11,03,01
